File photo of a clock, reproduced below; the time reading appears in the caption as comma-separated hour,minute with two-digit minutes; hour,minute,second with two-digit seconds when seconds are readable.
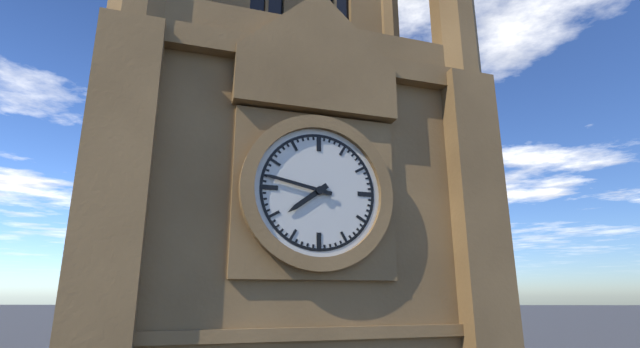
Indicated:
7,47
